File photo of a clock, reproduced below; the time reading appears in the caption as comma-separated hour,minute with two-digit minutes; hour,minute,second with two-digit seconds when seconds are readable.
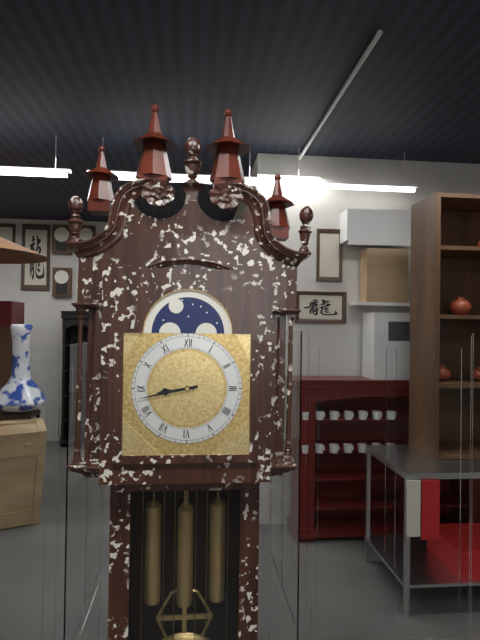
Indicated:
8,43
